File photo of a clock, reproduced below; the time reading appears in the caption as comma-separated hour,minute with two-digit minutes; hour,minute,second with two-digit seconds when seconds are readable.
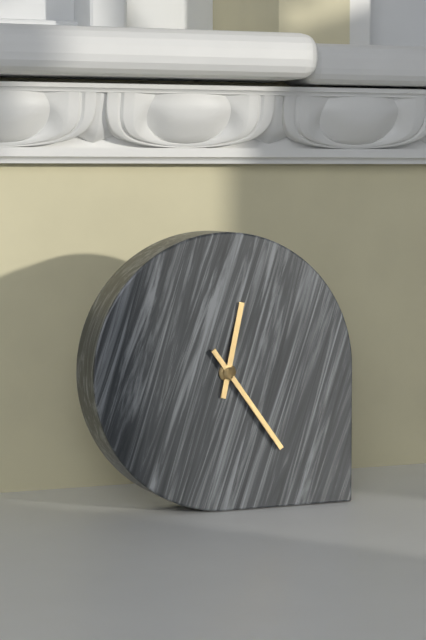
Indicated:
12,24
